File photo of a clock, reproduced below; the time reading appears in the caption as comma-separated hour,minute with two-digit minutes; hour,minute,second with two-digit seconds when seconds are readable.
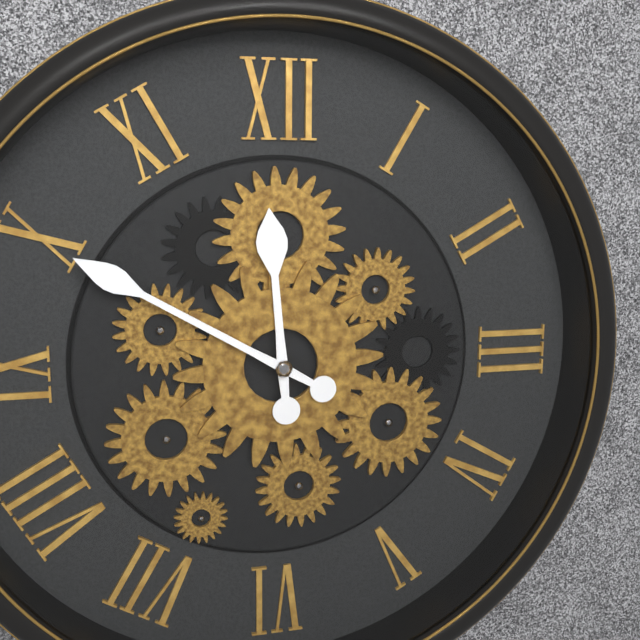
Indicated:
11,50
